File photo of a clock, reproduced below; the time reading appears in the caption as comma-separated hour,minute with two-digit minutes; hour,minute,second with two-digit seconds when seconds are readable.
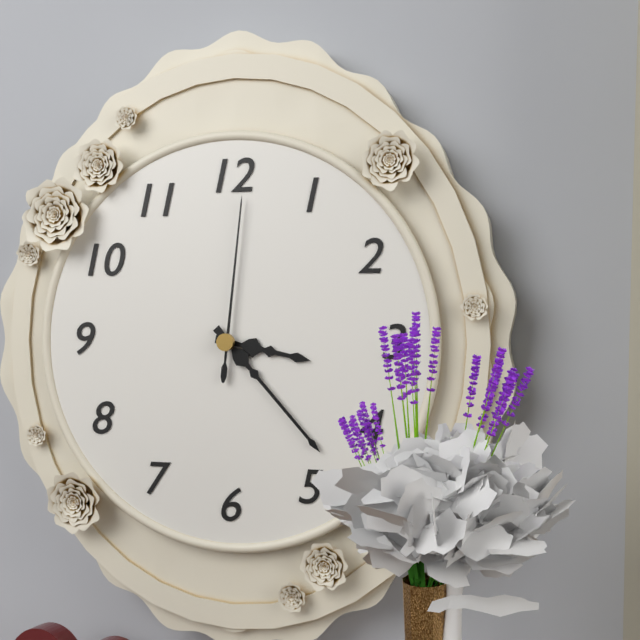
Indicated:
3,23,01
